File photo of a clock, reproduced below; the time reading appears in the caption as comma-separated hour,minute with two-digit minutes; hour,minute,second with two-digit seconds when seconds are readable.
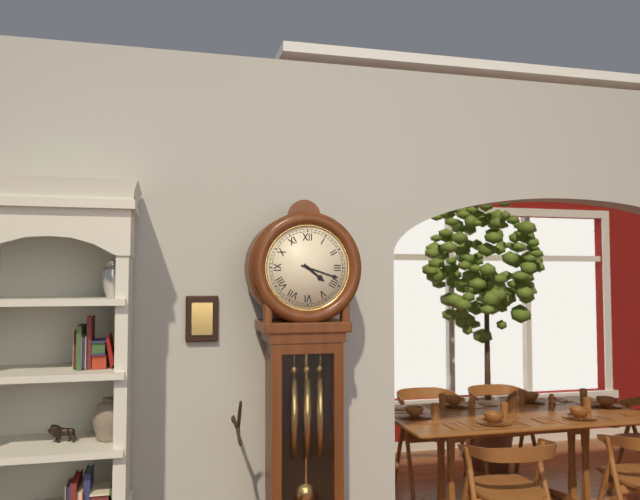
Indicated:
4,18
